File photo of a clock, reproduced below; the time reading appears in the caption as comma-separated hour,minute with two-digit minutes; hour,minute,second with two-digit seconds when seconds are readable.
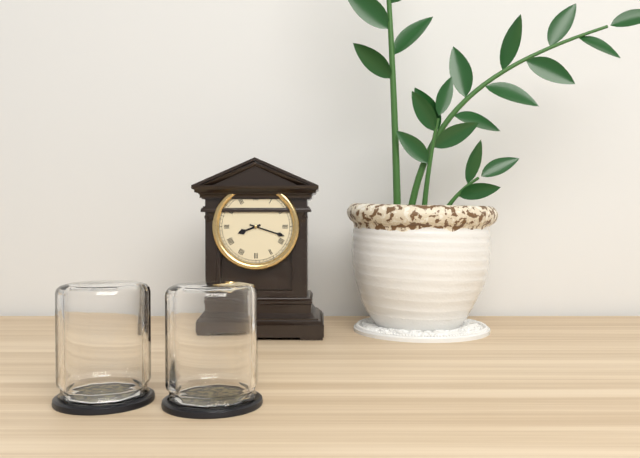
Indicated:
8,18
